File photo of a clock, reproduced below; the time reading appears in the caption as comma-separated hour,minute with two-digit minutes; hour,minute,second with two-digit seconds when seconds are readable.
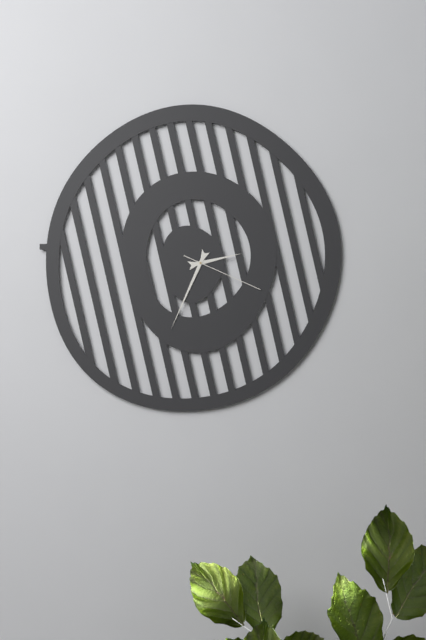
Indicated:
2,34,19
